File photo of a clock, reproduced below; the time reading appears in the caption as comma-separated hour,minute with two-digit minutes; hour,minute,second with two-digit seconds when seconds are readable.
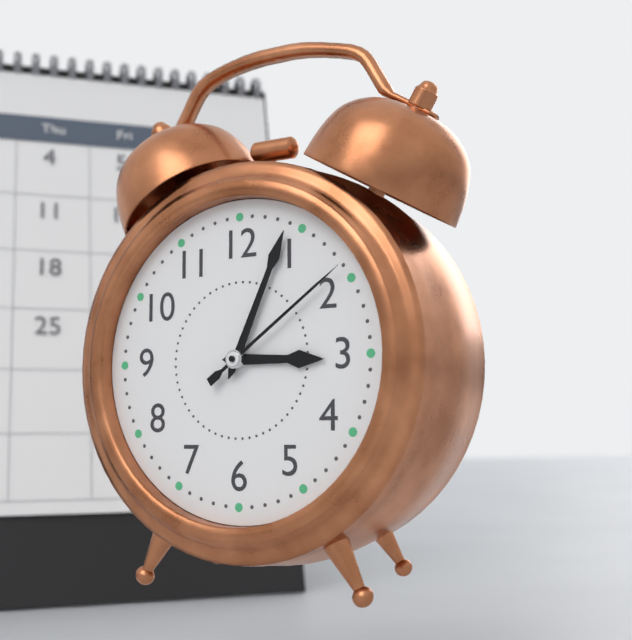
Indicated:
3,04,09
